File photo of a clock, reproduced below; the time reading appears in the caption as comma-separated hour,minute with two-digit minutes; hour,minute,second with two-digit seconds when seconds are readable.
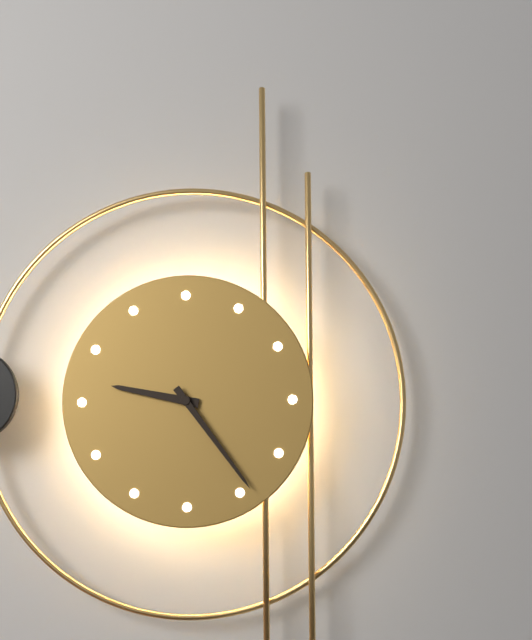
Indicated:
9,24
